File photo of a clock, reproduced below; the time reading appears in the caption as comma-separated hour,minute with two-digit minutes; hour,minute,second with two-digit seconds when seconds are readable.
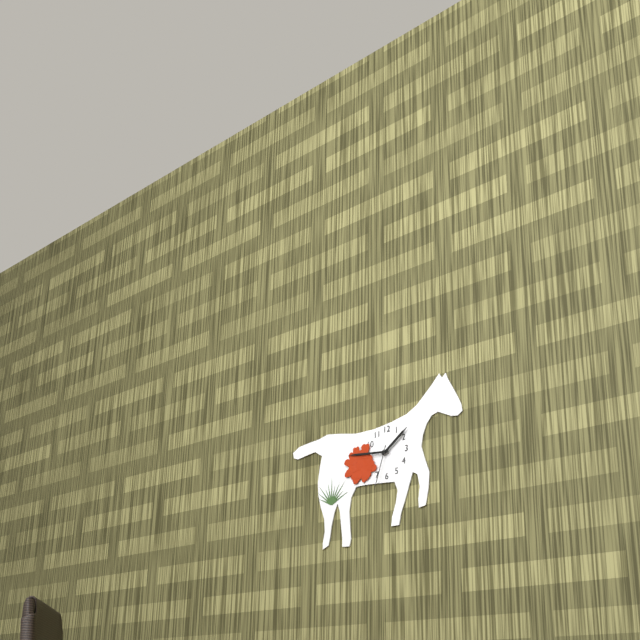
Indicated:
1,46
